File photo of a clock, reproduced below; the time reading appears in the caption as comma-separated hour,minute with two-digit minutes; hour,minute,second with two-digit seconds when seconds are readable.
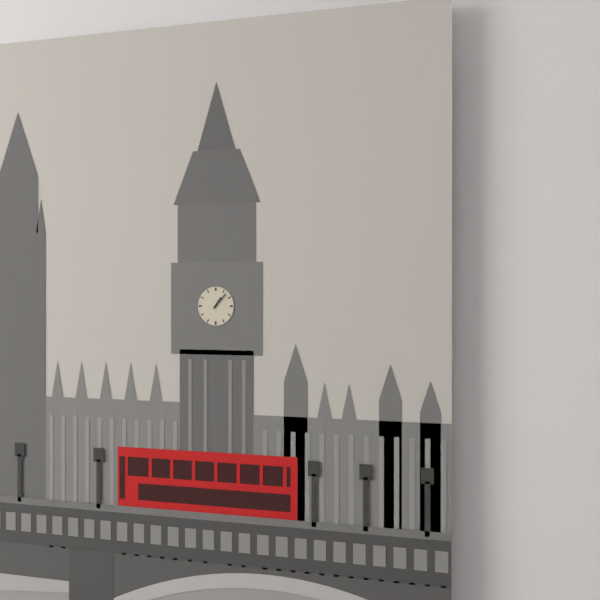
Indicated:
1,07
